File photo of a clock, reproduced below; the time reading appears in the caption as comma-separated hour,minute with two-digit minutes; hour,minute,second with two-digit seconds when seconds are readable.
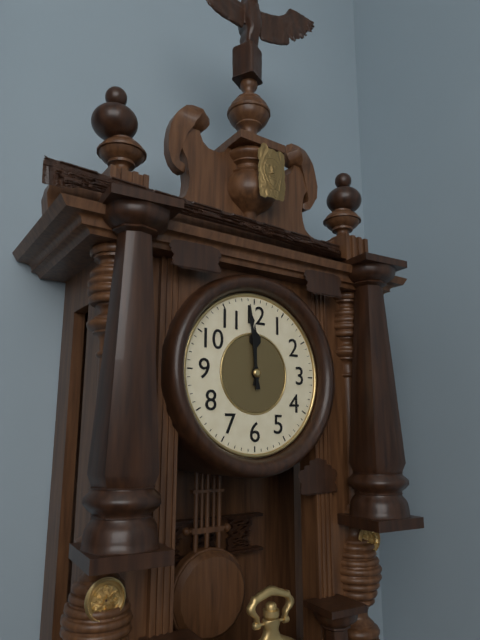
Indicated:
11,59
